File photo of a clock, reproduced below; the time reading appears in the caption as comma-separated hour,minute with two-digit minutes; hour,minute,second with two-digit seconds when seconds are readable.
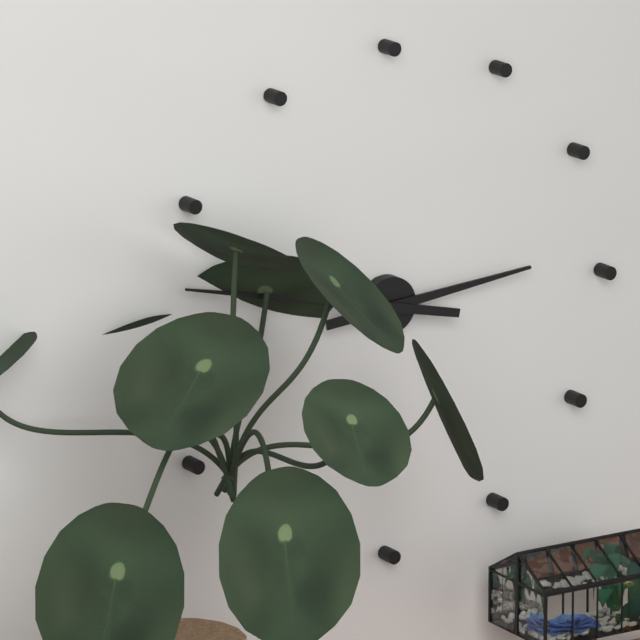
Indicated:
2,47
